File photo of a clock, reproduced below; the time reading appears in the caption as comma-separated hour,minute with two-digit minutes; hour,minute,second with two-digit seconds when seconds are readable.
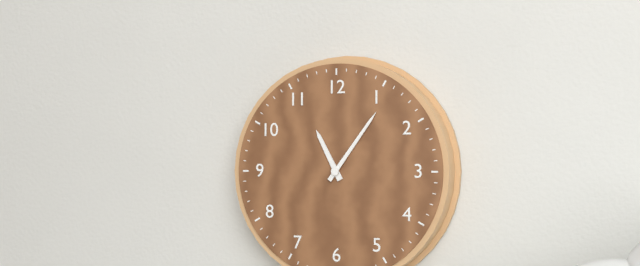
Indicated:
11,06
